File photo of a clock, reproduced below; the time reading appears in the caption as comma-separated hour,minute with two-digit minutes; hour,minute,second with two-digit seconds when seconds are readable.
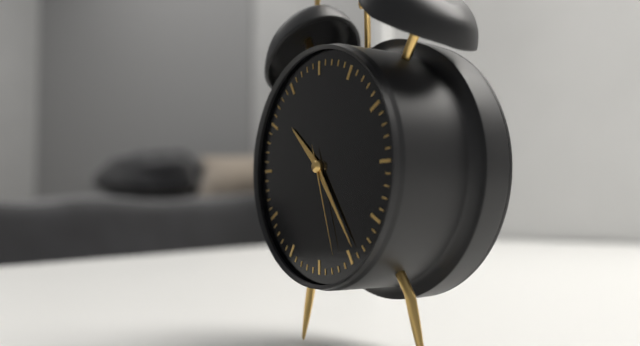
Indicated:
10,24,27
